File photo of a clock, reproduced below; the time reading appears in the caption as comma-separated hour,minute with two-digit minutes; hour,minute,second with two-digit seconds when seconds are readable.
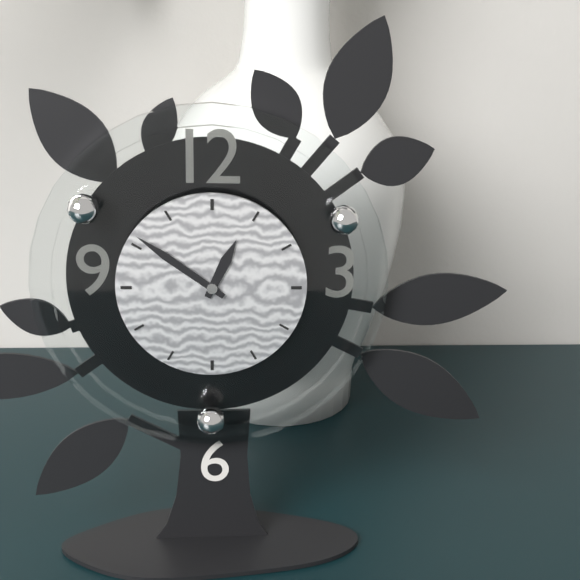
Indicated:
12,51
